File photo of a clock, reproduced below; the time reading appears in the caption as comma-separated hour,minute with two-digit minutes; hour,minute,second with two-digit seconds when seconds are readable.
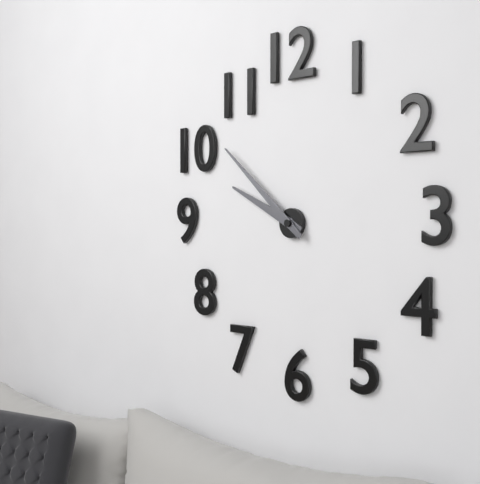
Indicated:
9,52
